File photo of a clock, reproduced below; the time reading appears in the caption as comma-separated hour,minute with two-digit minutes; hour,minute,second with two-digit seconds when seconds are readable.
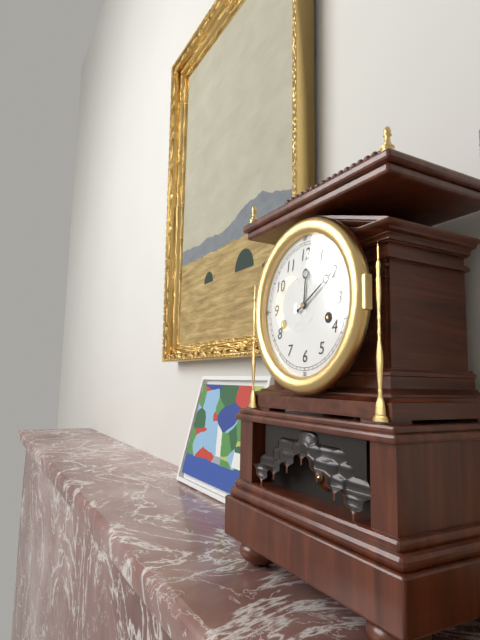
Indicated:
12,10
